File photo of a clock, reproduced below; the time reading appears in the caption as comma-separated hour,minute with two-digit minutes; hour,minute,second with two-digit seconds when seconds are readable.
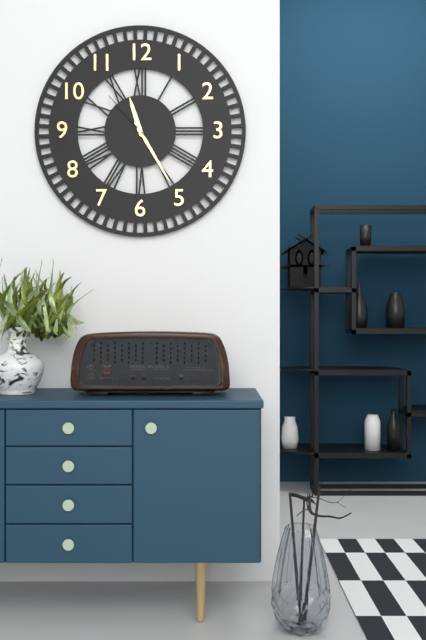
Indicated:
11,25,53
